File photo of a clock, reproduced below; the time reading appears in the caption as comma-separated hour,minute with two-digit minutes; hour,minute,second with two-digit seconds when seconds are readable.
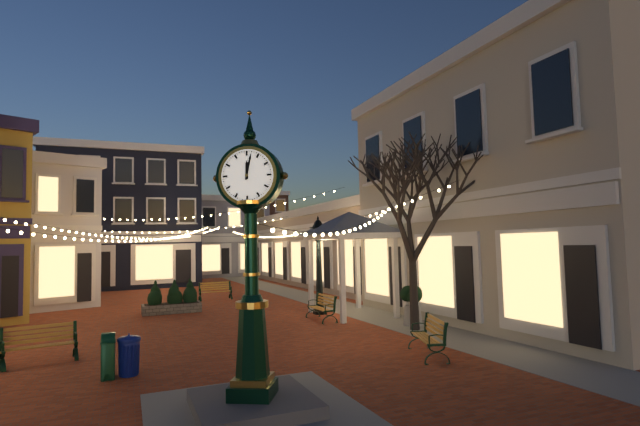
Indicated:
12,02
